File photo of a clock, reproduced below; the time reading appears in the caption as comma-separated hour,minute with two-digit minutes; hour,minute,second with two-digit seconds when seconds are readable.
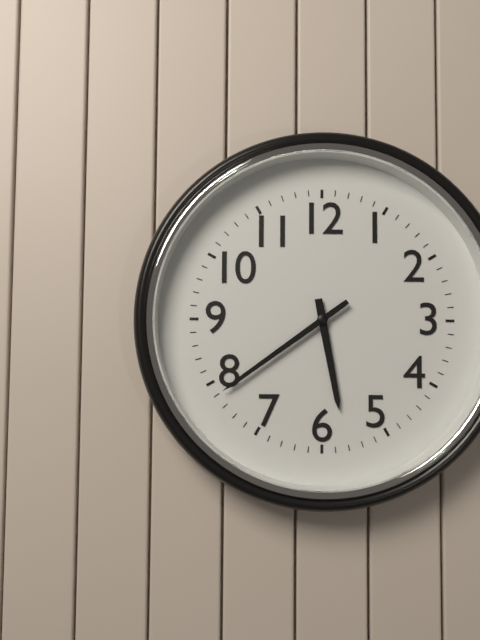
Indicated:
5,39
